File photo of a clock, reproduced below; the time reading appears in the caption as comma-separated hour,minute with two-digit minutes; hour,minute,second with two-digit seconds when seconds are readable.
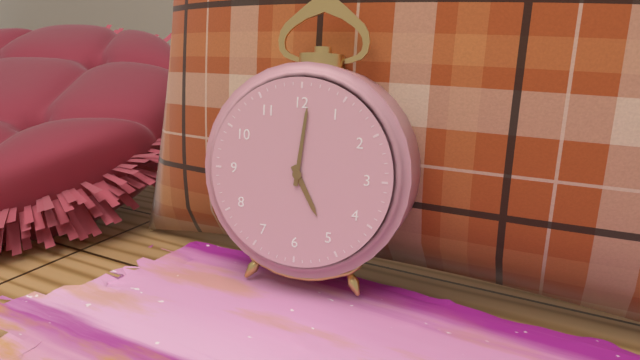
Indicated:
5,01
